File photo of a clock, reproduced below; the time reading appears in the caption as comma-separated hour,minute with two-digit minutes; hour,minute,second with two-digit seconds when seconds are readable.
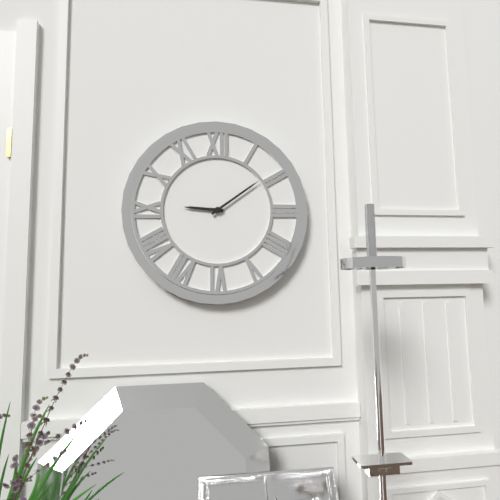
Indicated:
9,09
